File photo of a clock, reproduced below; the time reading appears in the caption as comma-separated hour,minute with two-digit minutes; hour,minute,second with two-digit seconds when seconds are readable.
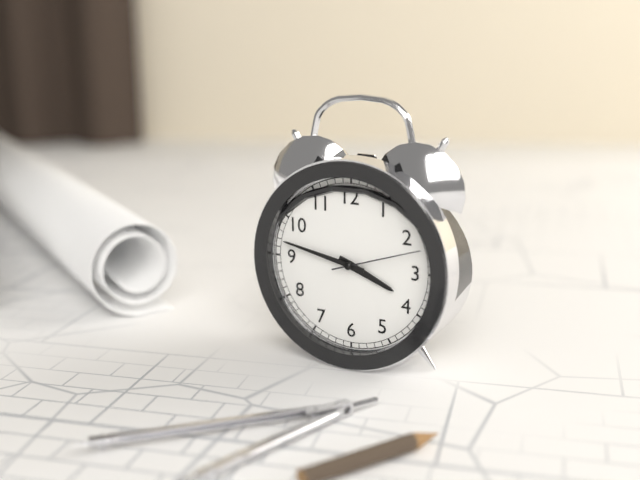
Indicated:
3,47,12
